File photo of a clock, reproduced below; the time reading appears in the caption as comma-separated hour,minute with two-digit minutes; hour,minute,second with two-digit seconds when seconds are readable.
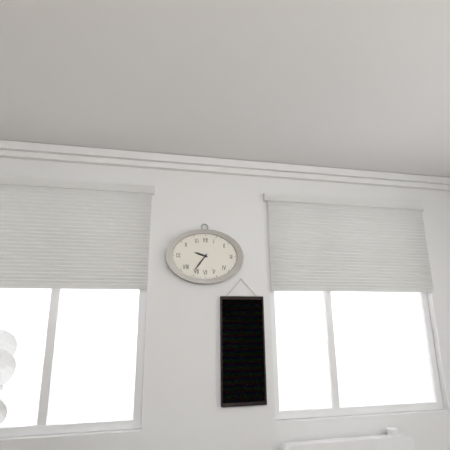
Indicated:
9,36
